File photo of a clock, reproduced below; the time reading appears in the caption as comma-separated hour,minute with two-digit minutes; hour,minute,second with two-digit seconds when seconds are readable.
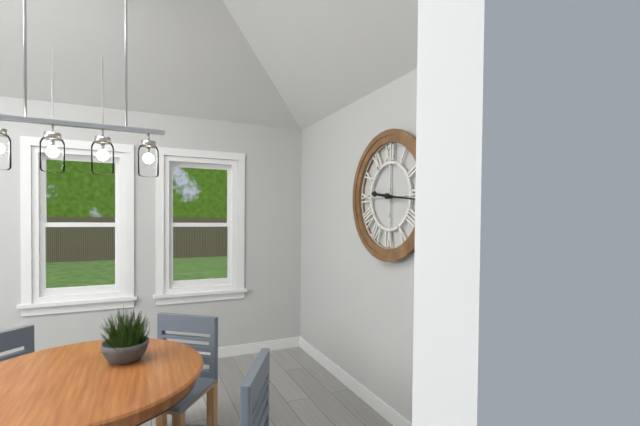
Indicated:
9,16
